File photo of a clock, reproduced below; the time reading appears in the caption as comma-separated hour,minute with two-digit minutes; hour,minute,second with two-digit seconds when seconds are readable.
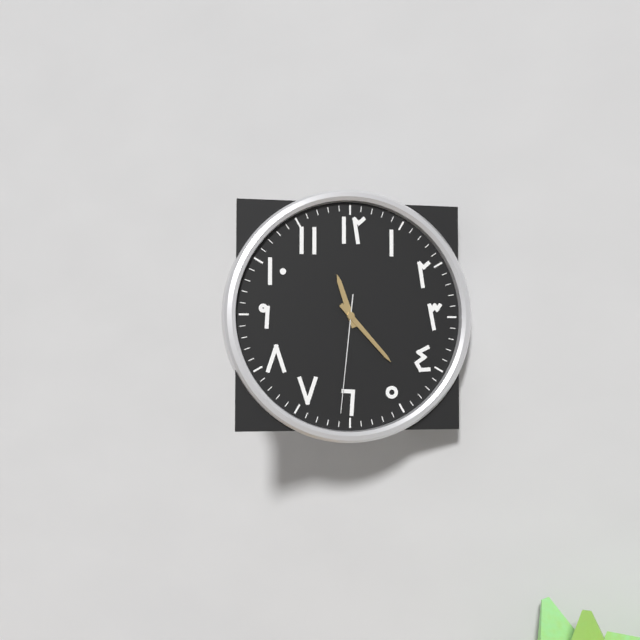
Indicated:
11,23,31
